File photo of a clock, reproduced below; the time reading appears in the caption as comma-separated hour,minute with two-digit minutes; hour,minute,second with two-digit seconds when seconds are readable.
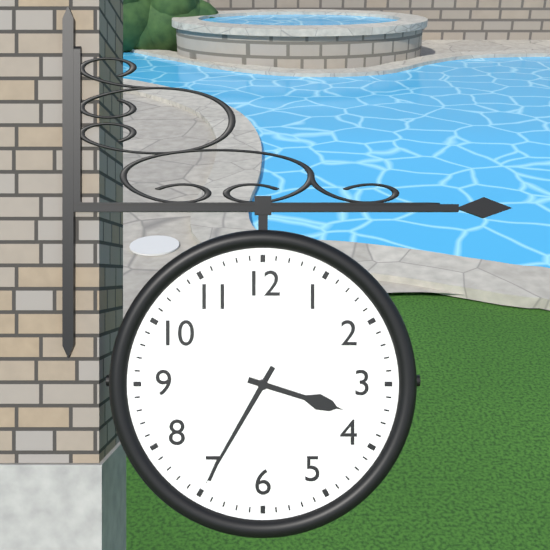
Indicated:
3,35
